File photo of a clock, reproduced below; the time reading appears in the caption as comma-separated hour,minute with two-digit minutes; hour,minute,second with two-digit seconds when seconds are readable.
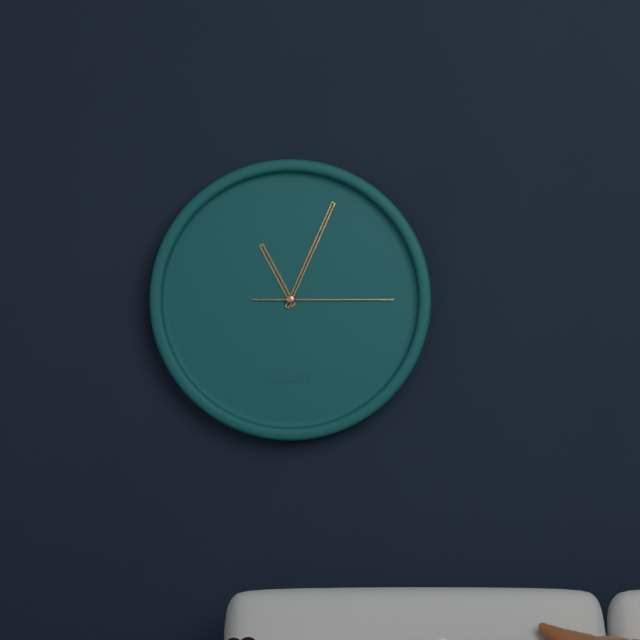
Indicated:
11,04,15
